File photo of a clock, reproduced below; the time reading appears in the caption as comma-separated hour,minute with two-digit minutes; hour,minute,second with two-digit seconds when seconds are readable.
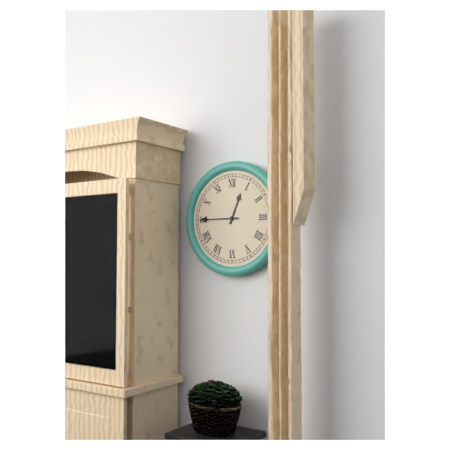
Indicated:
12,45
